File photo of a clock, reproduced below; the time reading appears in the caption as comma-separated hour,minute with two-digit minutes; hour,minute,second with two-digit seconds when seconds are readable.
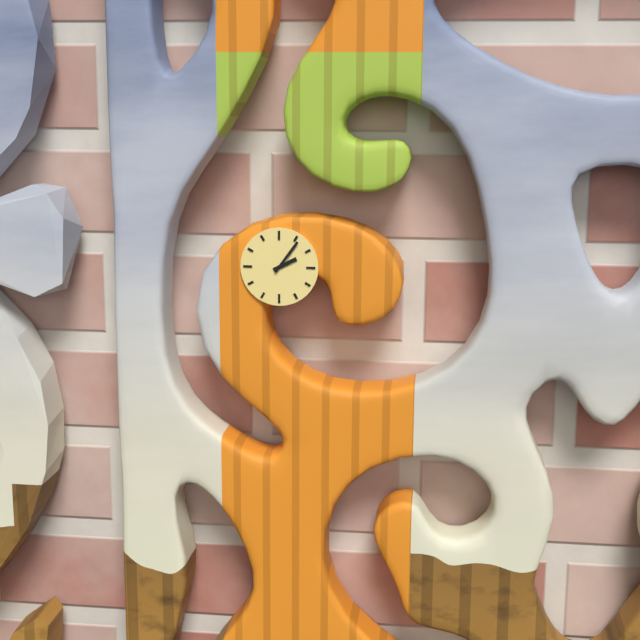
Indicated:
2,06
